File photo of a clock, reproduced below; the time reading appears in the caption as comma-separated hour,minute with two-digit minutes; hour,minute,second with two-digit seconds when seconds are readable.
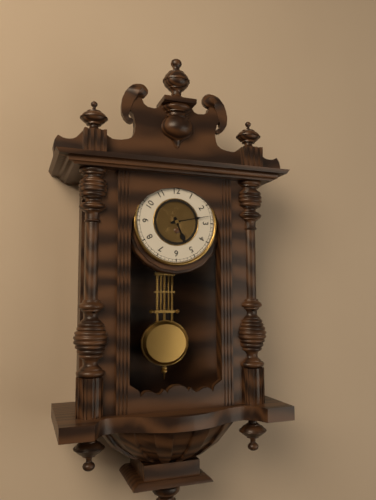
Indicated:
5,13
